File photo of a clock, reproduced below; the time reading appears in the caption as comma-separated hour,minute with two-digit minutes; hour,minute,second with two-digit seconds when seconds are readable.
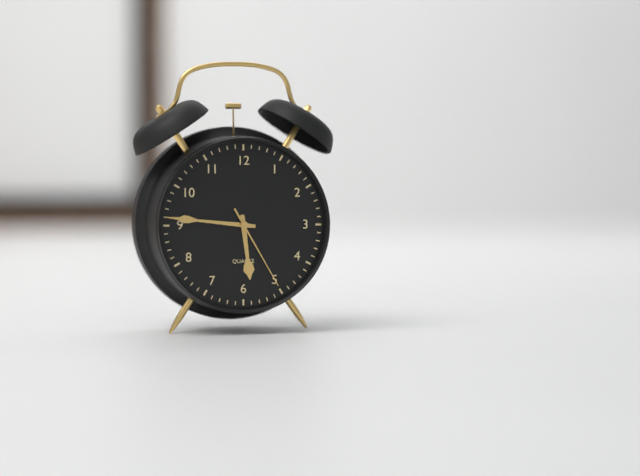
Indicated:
5,46,25
